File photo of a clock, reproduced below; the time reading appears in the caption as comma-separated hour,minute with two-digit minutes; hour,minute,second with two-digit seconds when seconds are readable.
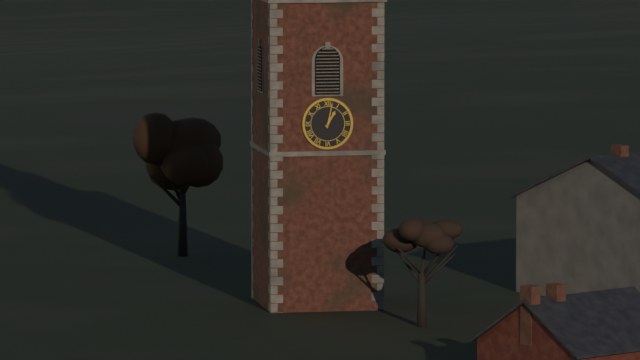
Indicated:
1,02
